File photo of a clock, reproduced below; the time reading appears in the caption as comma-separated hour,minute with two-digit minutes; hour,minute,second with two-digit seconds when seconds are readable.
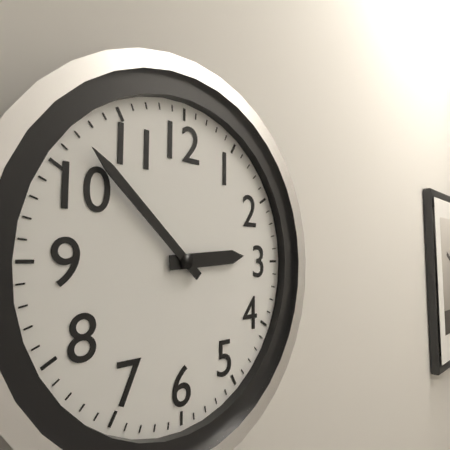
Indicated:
2,52
